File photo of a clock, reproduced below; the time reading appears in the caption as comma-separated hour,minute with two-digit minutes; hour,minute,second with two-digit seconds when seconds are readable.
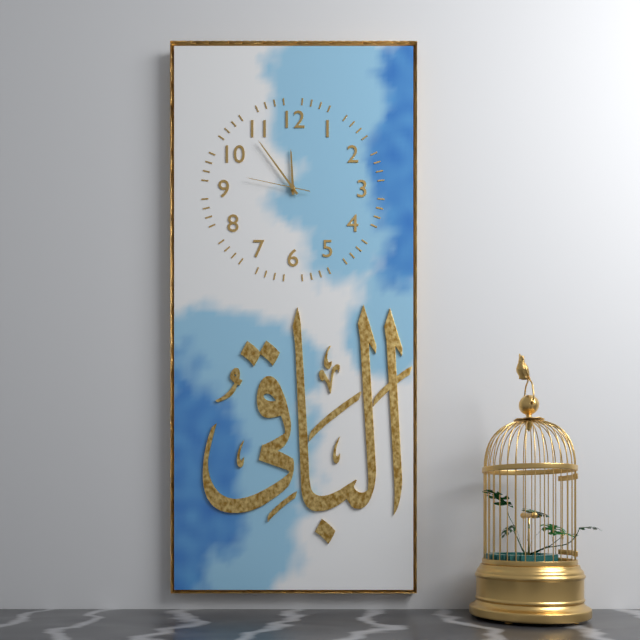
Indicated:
11,54,47
